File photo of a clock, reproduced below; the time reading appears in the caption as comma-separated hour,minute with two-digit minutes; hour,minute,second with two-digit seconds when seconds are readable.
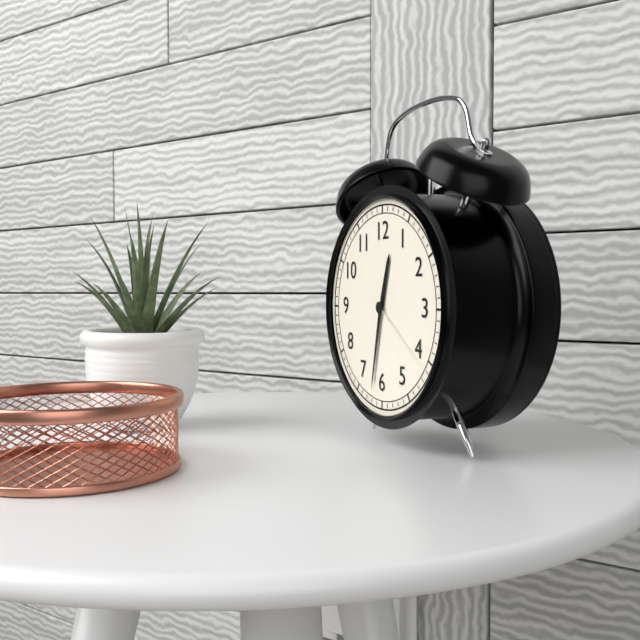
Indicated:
12,32,21
